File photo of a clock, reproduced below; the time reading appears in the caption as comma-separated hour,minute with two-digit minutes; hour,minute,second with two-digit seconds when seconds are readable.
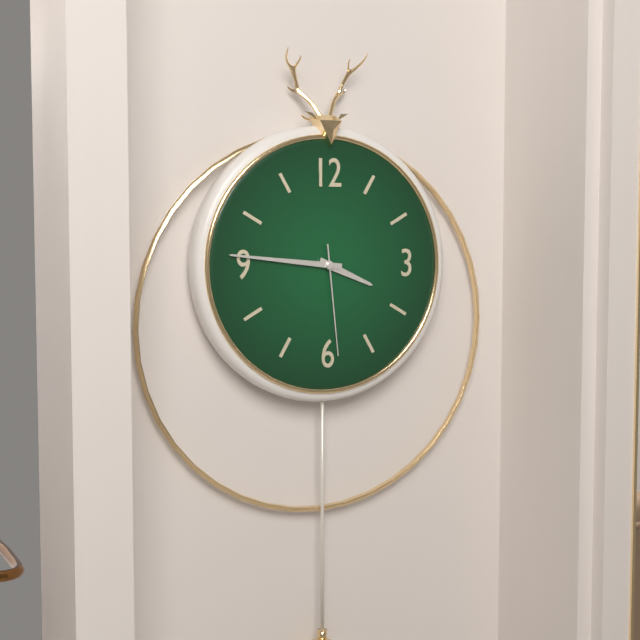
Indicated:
3,46,29
